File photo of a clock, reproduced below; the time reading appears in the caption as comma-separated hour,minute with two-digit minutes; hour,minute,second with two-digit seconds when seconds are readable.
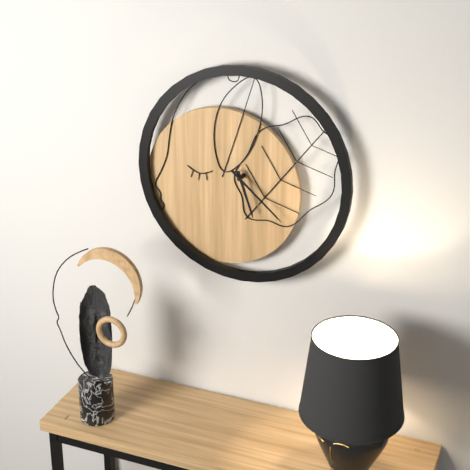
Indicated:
5,22
